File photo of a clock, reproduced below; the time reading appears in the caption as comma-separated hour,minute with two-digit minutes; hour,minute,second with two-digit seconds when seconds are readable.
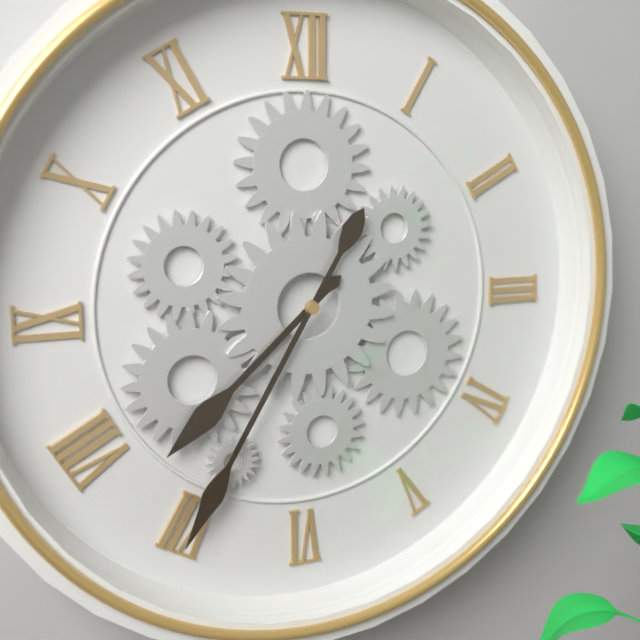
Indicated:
7,35
